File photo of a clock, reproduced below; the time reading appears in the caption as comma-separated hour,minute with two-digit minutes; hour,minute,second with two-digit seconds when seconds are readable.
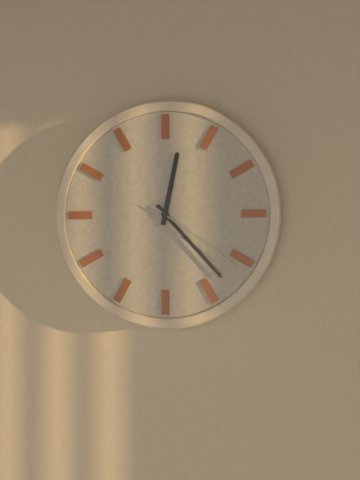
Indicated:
12,23,21
